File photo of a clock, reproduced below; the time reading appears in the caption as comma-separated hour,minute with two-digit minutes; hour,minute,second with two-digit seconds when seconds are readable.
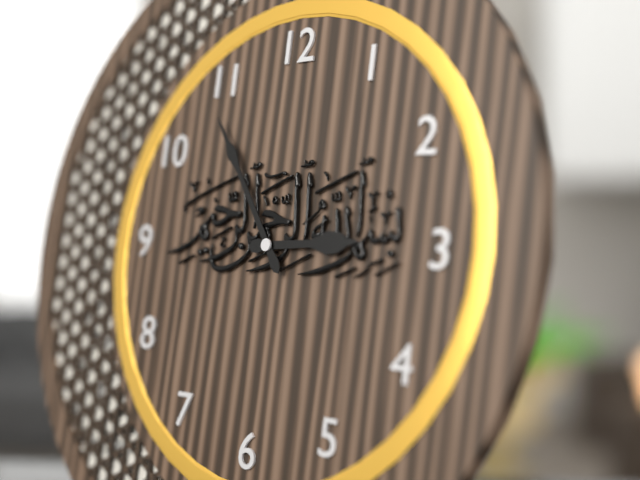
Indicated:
2,54
